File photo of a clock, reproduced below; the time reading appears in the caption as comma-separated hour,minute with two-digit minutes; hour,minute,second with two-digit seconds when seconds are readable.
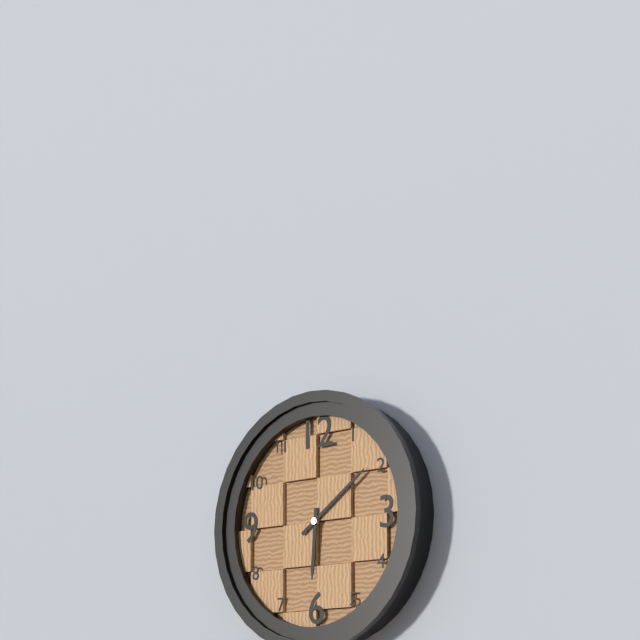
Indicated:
6,09
